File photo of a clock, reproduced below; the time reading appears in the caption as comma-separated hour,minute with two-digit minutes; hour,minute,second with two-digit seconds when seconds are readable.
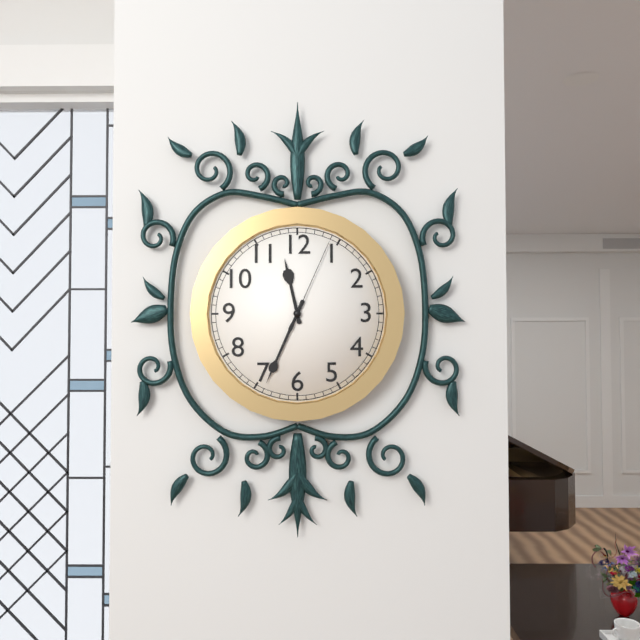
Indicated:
11,34,04
